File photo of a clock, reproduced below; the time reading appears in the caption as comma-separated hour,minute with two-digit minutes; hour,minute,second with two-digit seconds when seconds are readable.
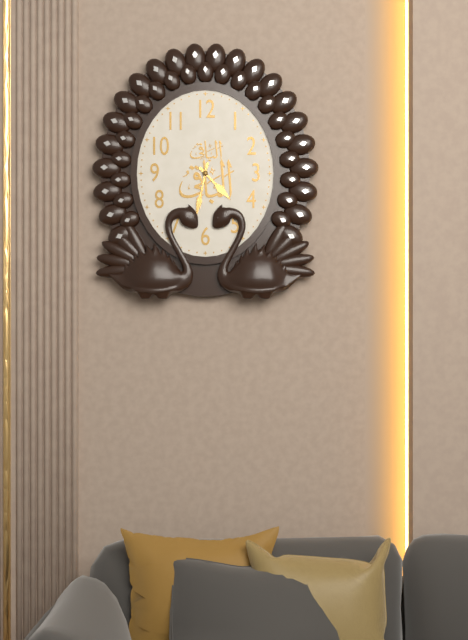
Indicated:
4,32
